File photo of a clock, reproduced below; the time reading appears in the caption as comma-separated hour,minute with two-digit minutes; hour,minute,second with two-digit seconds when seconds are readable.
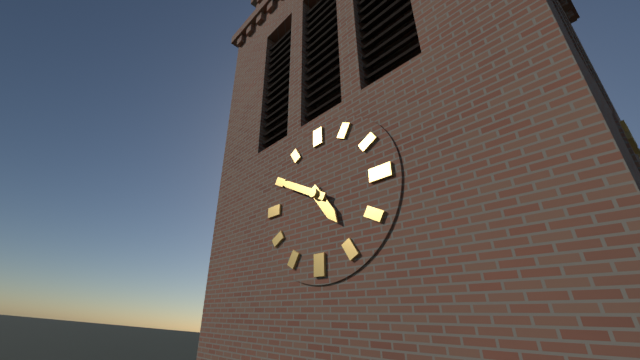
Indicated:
4,50
